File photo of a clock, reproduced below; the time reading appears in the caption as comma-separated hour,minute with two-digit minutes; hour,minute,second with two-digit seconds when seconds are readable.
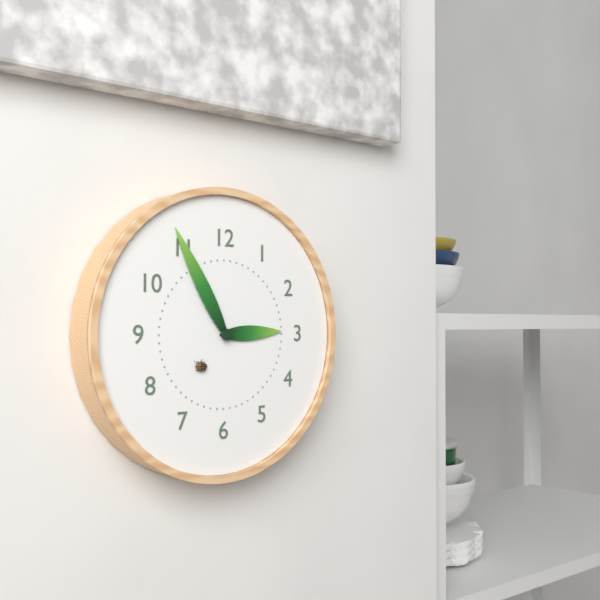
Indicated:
2,55
